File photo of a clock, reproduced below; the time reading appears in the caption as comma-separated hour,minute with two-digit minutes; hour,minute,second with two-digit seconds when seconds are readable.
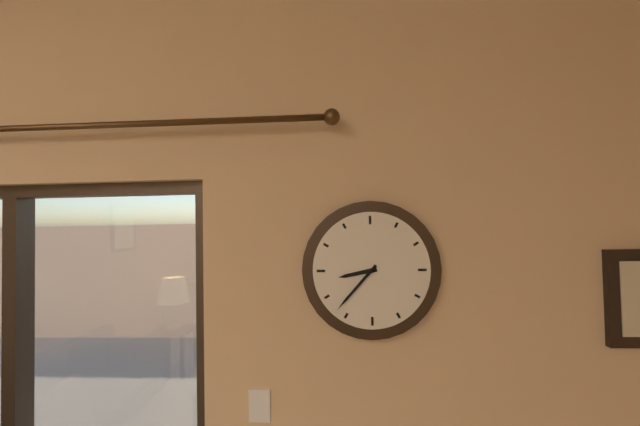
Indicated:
8,37
